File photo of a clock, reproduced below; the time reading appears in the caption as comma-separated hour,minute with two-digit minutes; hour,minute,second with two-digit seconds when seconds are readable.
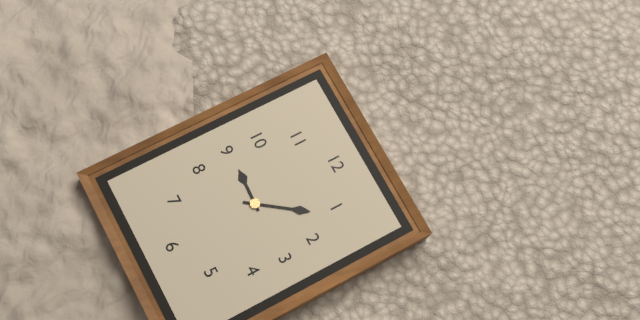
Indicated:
9,06
